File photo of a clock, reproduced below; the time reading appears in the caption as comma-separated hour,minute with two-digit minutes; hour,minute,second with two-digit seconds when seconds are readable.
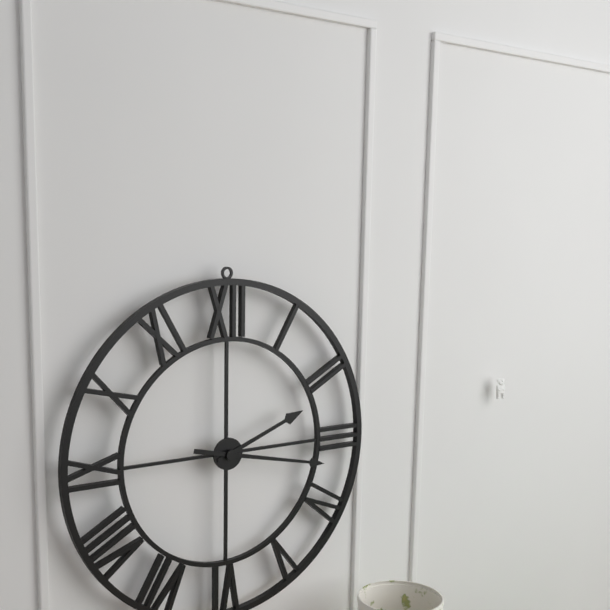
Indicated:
2,17
